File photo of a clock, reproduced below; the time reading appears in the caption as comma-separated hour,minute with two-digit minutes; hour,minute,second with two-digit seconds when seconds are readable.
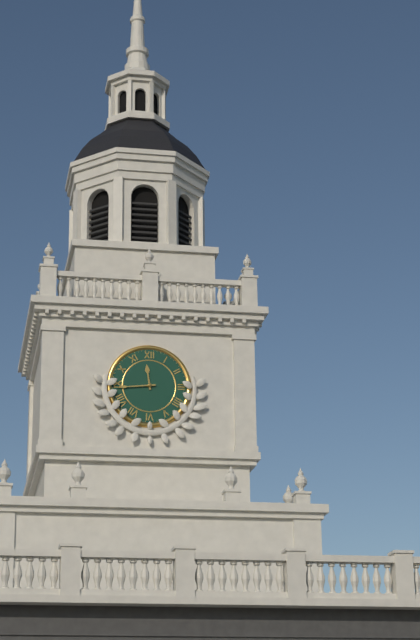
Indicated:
11,44
